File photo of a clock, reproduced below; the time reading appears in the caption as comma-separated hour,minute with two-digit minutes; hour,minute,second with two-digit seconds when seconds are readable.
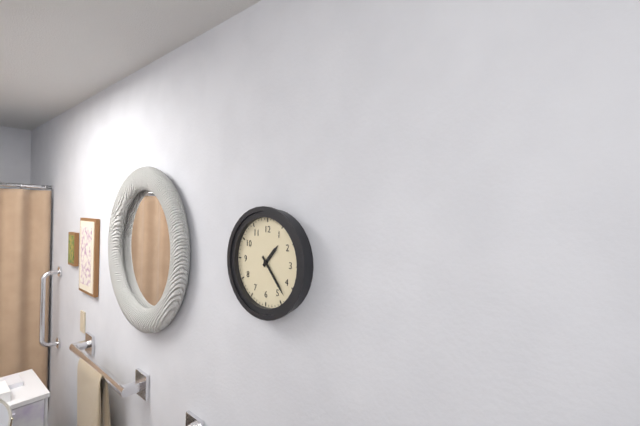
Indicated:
1,23
